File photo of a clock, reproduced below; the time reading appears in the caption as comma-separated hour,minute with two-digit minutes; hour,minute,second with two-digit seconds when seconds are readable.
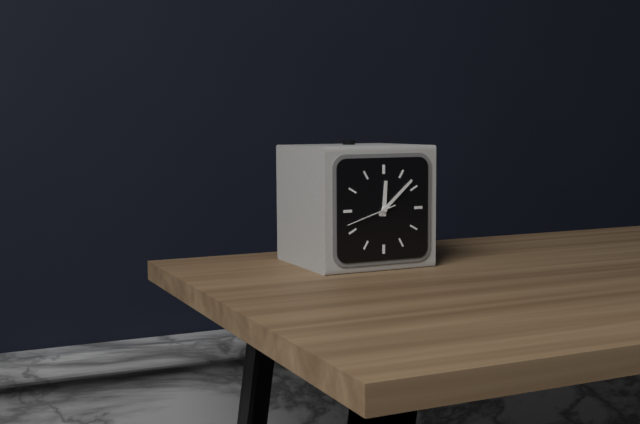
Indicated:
12,08,42
